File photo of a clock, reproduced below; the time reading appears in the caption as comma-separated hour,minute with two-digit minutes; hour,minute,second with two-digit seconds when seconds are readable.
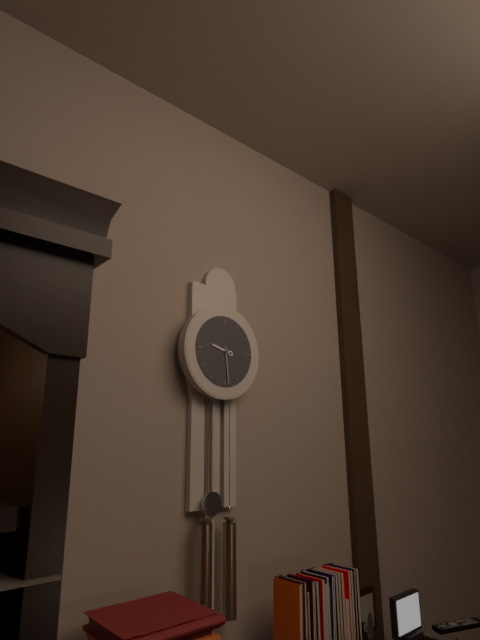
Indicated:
9,29
